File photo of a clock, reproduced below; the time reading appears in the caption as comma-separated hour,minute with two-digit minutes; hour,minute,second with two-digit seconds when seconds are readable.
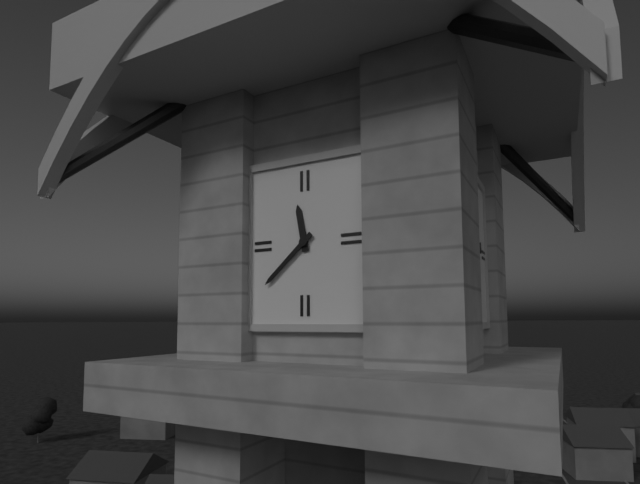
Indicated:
11,38
